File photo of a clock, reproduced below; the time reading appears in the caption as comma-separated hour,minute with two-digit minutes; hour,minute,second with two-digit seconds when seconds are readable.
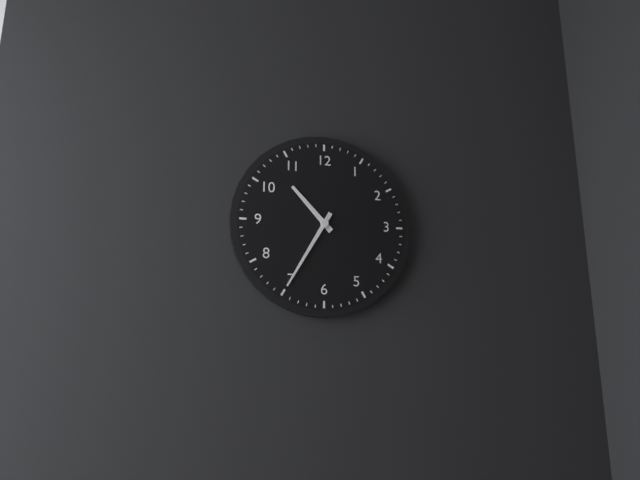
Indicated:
10,35
